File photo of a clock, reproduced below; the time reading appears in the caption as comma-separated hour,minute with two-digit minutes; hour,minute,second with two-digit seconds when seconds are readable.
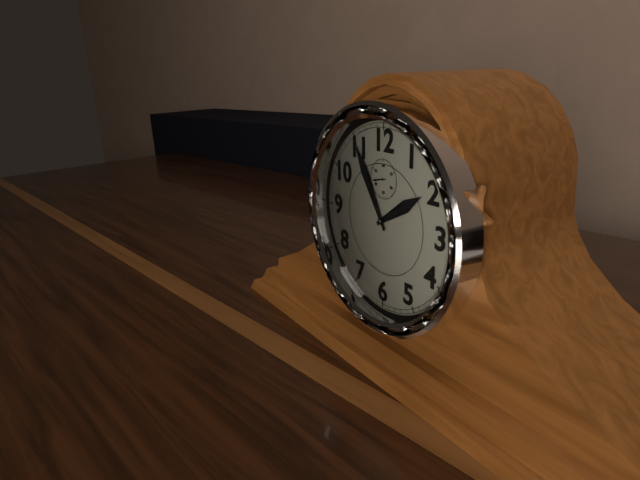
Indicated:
1,55
